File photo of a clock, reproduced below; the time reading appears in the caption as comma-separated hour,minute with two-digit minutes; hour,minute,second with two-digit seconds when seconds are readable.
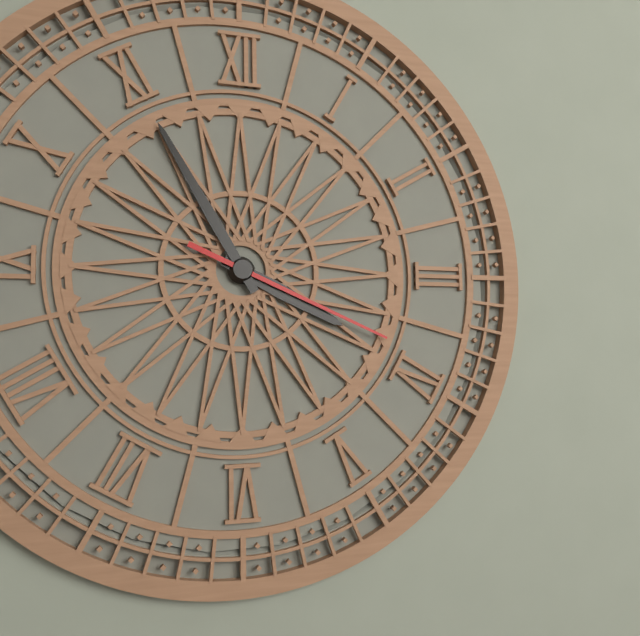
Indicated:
3,55,19
